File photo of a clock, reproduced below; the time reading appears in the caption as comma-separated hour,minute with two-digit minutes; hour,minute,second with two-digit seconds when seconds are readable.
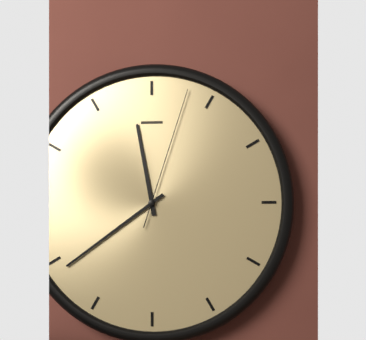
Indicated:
11,39,03
